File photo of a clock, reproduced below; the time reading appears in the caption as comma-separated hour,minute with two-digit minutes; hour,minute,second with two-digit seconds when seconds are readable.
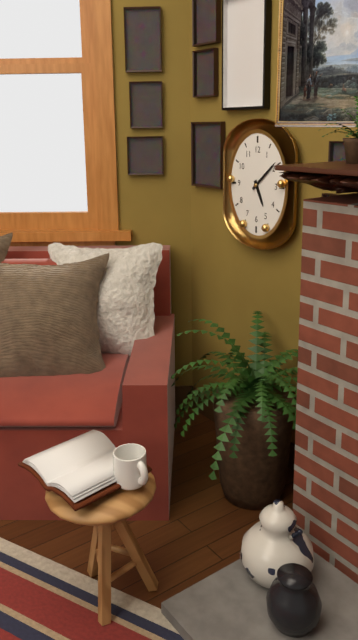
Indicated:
5,08
